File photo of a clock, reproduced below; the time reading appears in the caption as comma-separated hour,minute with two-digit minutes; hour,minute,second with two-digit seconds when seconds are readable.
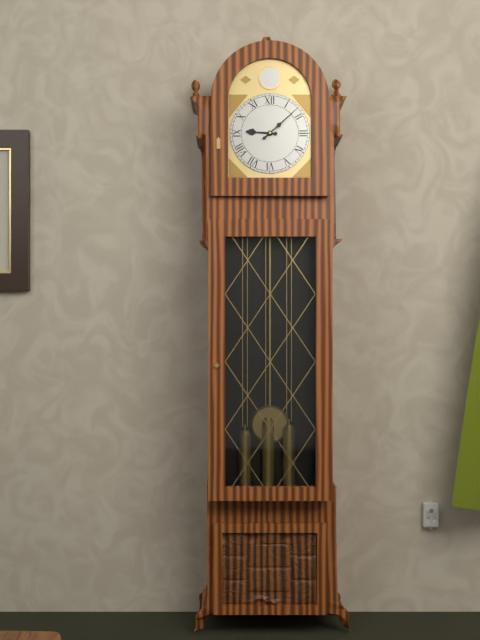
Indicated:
9,08
